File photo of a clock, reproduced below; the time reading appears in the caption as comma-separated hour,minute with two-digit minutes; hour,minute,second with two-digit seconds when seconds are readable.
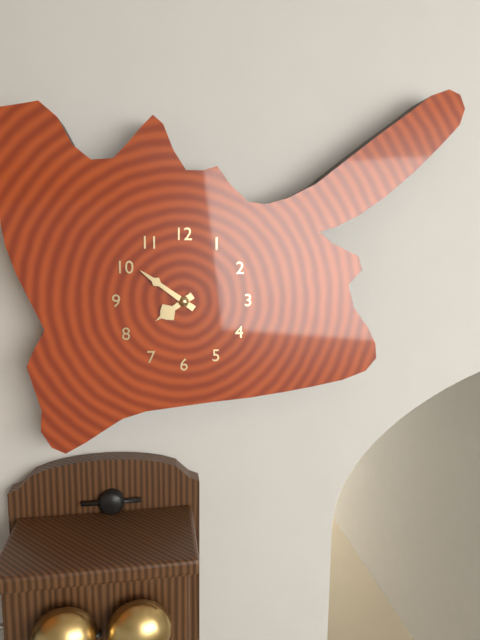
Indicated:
7,51
